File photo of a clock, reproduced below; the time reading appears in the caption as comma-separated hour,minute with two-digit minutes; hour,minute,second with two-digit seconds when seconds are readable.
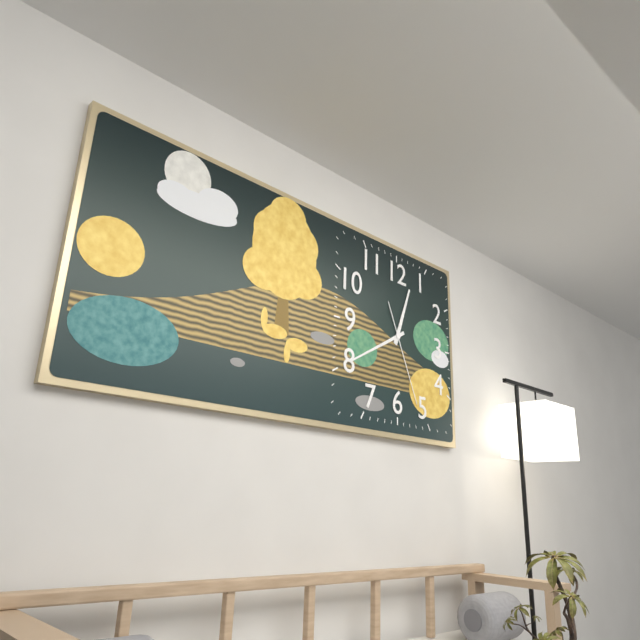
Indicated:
12,40,26
